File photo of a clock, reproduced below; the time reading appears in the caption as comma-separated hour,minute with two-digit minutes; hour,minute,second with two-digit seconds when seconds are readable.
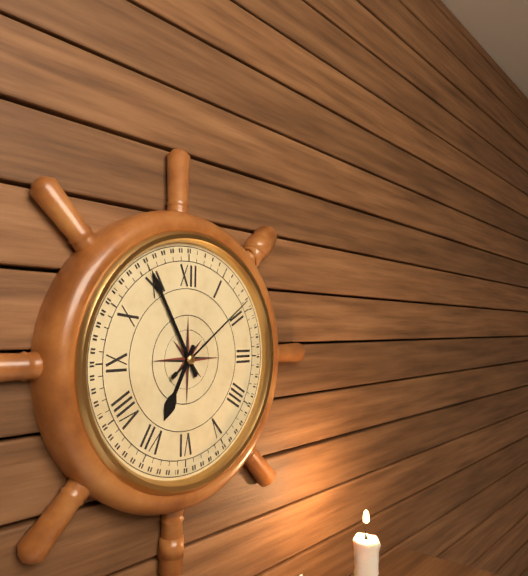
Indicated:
6,55,09
